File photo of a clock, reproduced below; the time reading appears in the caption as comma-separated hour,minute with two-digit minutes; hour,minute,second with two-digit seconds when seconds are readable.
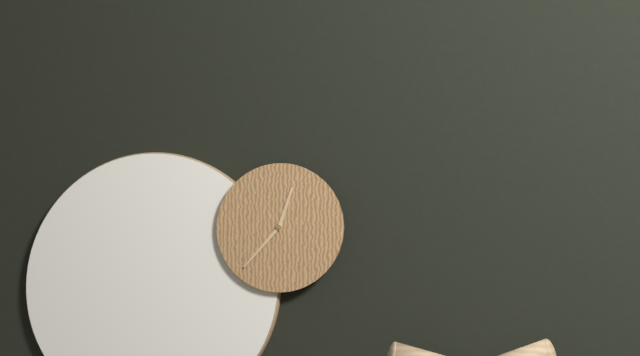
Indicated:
12,37
